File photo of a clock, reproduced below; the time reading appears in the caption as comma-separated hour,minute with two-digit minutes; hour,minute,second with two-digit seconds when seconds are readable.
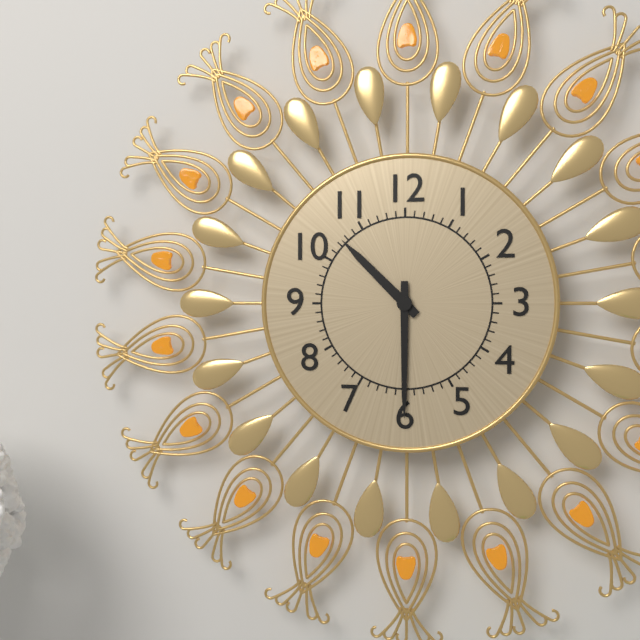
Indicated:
10,30
